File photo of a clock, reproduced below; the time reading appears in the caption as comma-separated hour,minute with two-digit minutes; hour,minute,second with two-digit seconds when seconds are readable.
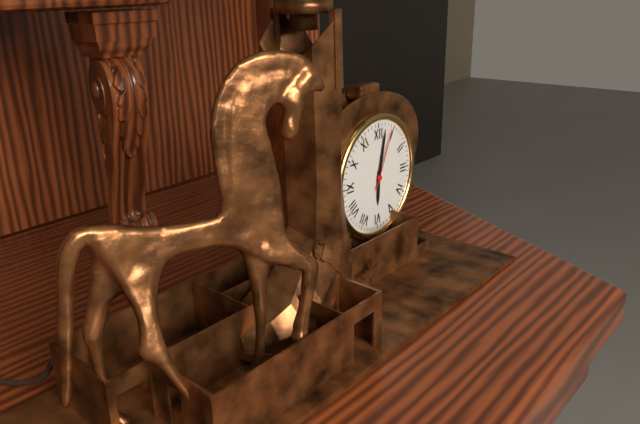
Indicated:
6,02,04
